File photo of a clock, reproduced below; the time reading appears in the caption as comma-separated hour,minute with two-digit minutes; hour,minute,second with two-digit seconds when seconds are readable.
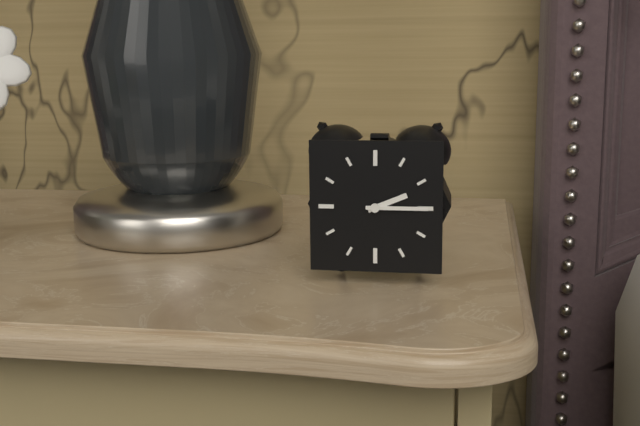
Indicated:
2,15
